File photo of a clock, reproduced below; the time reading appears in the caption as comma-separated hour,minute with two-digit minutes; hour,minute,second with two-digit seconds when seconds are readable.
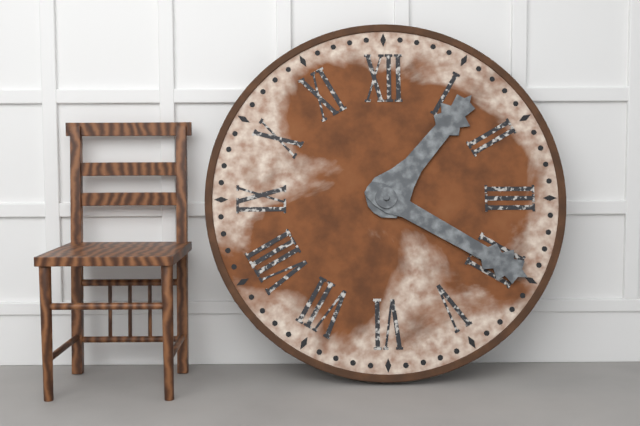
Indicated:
1,20
